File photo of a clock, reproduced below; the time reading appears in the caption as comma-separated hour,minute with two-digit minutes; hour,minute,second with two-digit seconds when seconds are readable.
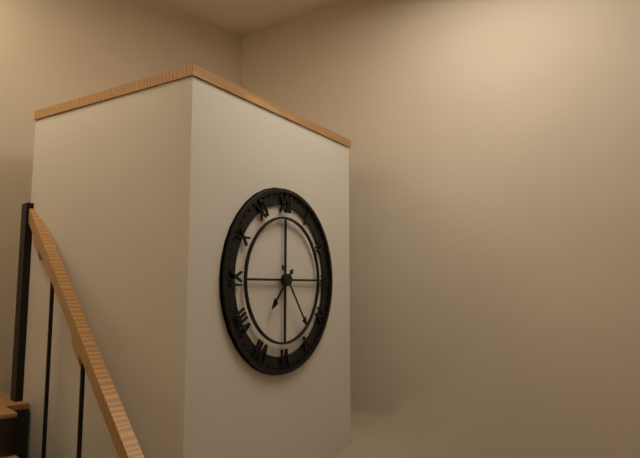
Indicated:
7,24
